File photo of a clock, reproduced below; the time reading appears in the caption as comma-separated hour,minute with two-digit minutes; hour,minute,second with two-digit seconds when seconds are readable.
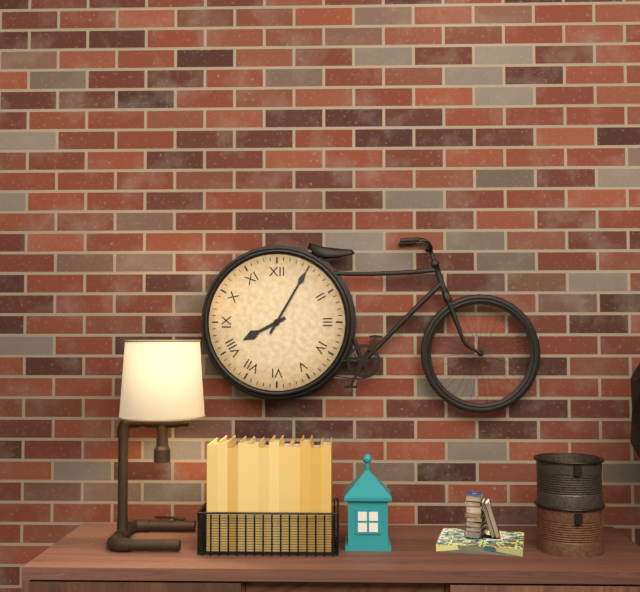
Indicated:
8,05
